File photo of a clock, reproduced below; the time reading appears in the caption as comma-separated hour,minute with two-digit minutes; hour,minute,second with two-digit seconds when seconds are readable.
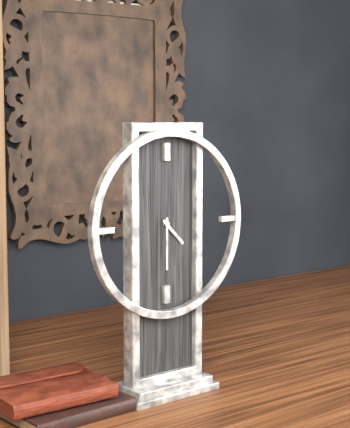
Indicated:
4,30
